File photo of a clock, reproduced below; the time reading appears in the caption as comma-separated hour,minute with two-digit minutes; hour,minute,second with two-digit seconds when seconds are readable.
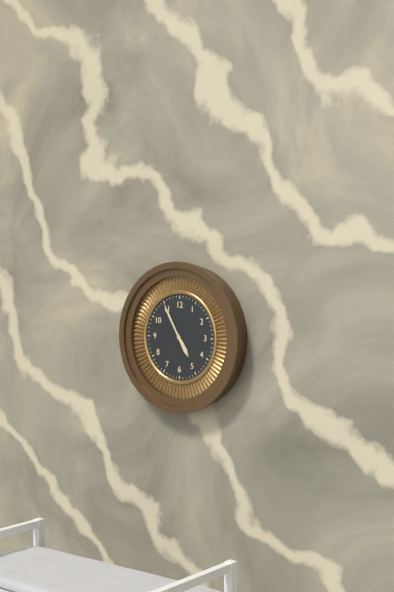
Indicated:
4,55
